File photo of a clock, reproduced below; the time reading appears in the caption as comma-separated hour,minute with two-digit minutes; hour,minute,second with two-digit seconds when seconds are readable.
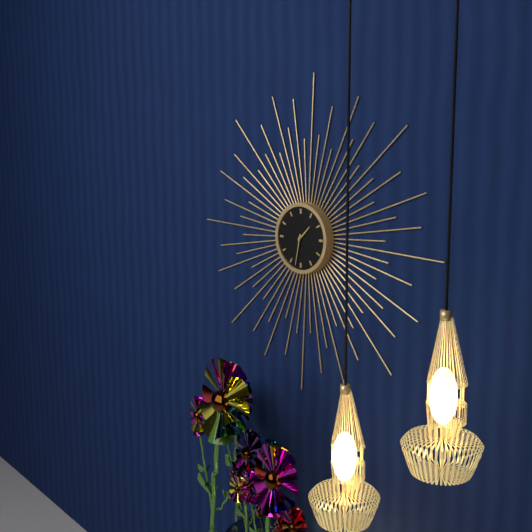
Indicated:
1,32
